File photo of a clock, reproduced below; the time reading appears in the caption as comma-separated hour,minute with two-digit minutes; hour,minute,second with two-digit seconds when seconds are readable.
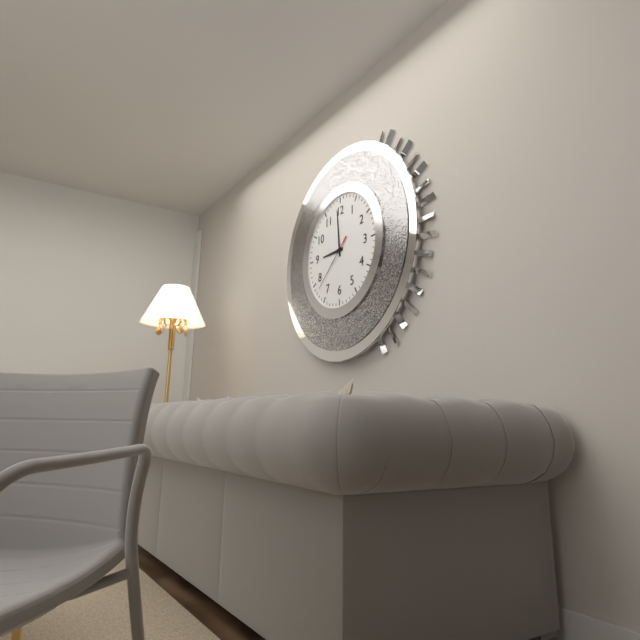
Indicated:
8,59,38
